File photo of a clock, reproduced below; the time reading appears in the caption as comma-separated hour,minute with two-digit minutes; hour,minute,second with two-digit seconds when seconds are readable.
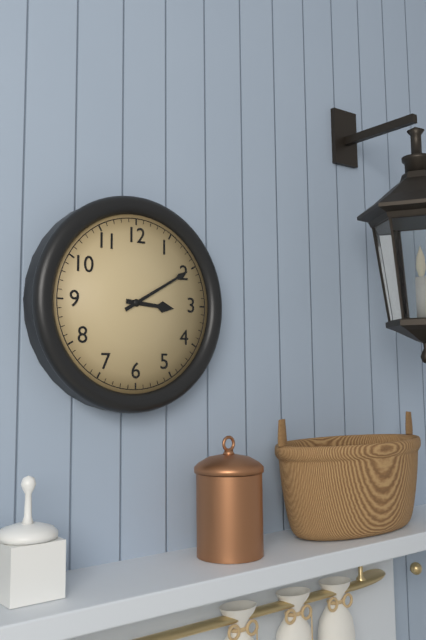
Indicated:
3,10
